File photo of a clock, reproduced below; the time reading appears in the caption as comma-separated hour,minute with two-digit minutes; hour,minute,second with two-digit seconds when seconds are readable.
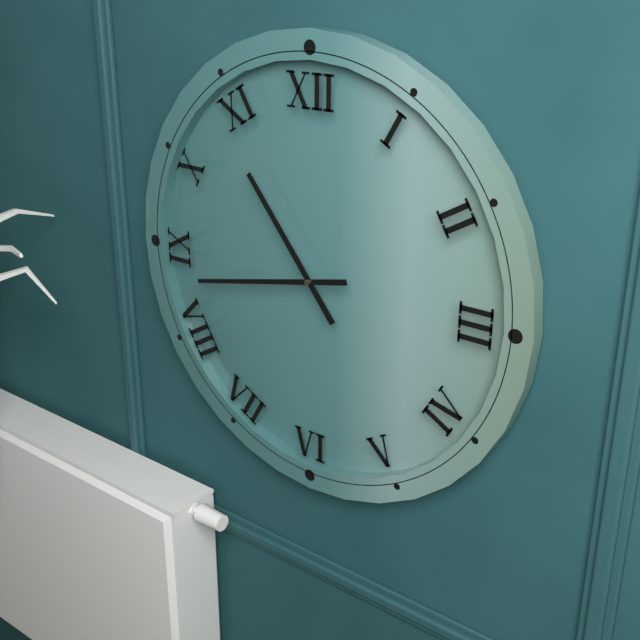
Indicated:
10,43
